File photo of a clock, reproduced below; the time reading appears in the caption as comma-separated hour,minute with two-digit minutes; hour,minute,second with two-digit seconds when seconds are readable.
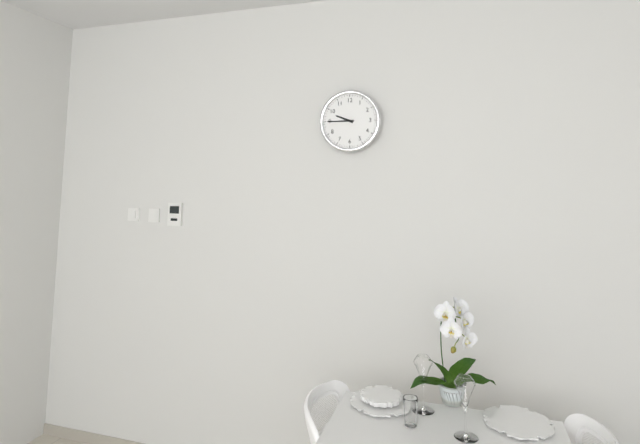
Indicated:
9,45
